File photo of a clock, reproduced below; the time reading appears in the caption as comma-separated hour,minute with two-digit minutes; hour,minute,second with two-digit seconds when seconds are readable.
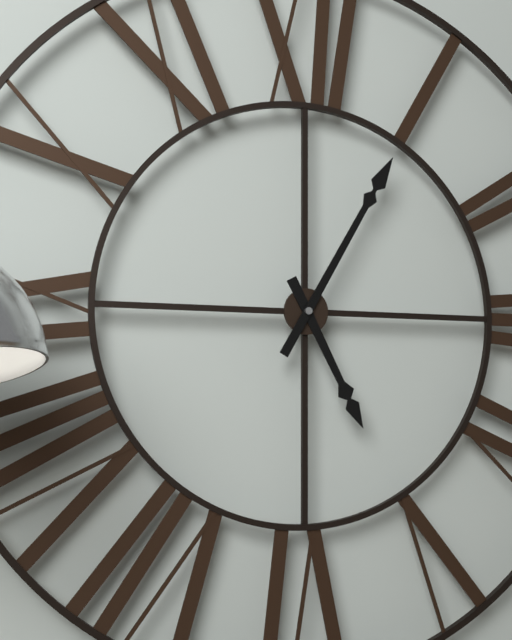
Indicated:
5,05
